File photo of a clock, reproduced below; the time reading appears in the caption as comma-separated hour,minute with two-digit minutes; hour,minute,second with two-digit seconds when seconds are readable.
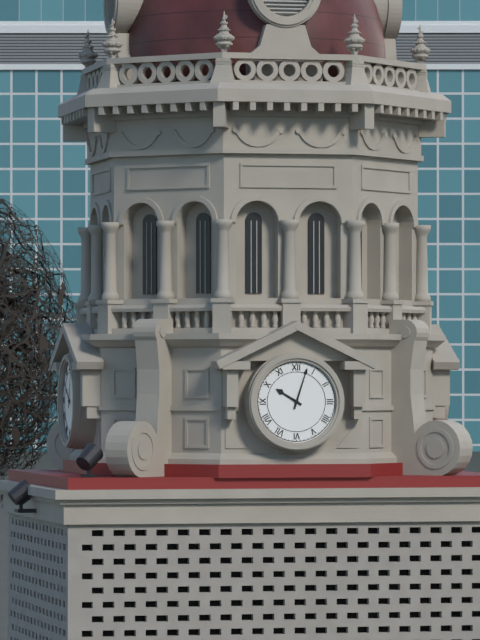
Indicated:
10,03
